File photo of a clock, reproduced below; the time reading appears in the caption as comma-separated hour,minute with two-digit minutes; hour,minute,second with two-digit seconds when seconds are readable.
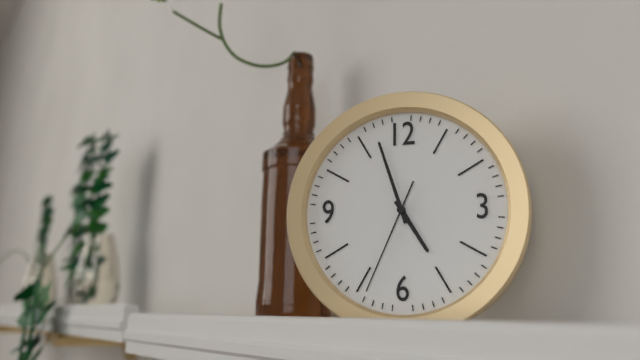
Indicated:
4,57,34
